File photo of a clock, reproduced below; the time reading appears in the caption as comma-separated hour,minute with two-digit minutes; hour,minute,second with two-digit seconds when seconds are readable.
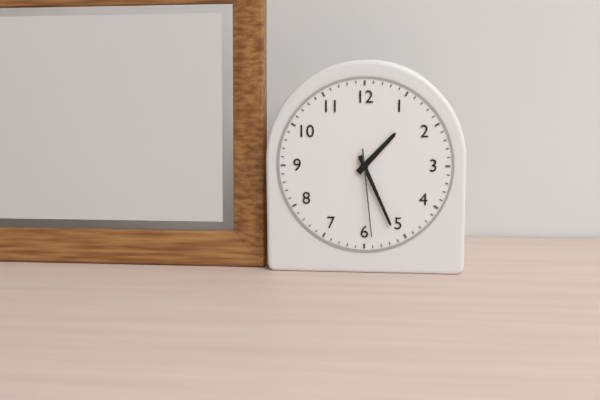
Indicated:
1,26,29
